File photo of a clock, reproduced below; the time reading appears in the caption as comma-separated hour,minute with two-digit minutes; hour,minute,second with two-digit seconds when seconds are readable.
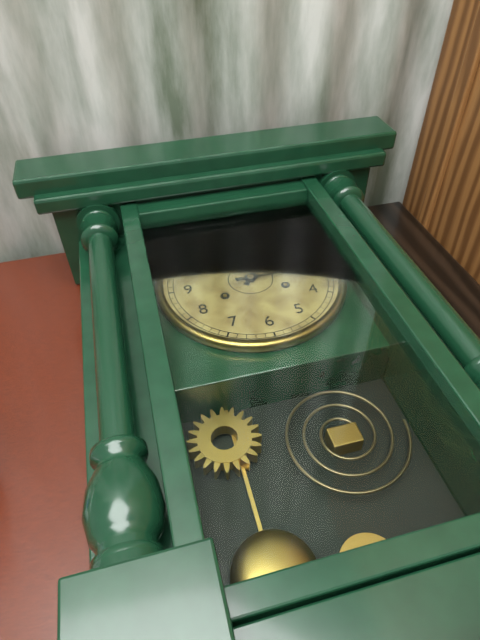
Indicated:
1,15
